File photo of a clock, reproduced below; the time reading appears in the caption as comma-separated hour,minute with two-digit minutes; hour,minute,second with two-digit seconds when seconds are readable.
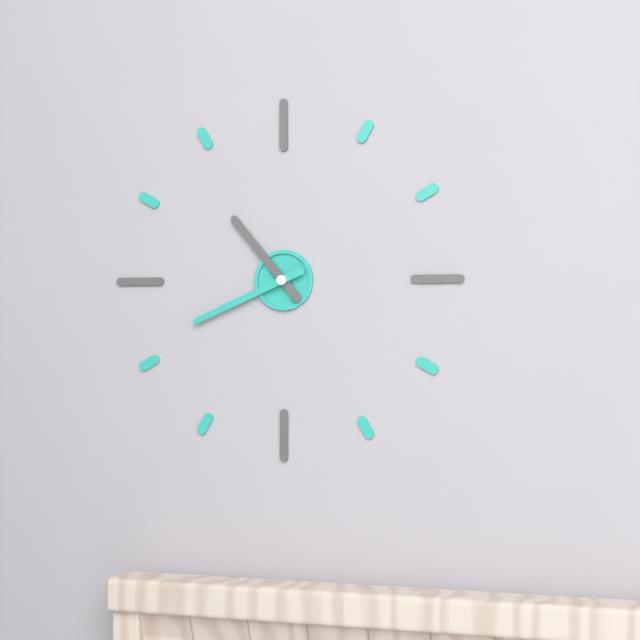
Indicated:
10,41
